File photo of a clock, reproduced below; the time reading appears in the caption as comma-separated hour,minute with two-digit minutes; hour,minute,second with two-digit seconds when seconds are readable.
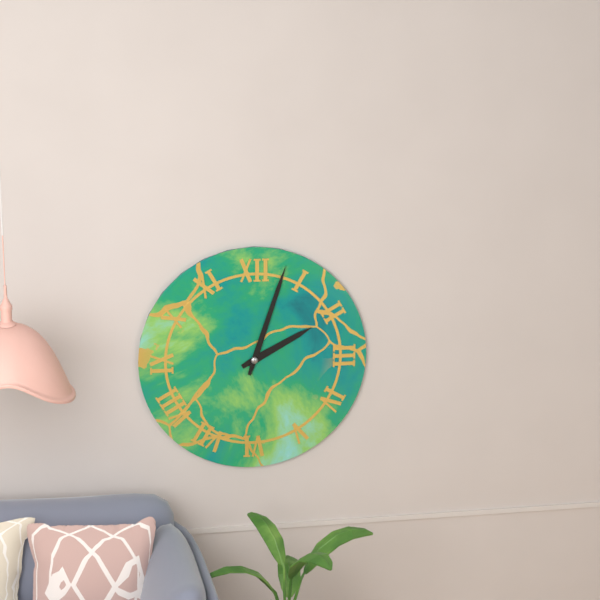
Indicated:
2,03
